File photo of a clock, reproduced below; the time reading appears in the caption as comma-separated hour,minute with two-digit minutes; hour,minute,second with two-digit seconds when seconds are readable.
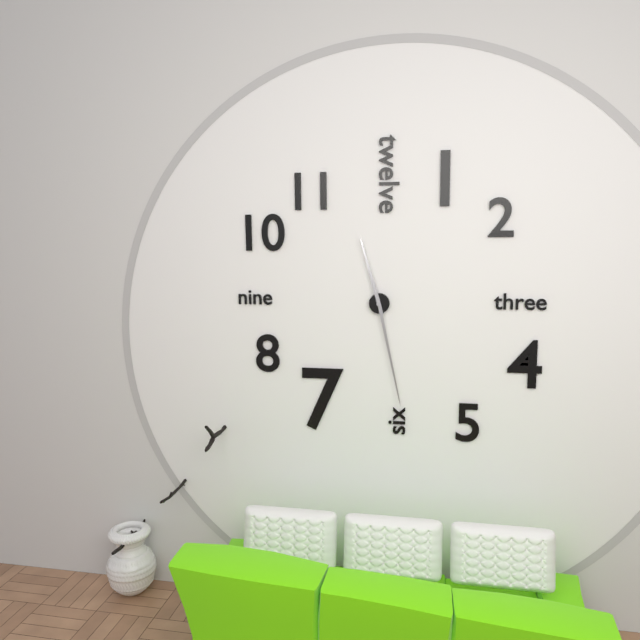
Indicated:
11,28
